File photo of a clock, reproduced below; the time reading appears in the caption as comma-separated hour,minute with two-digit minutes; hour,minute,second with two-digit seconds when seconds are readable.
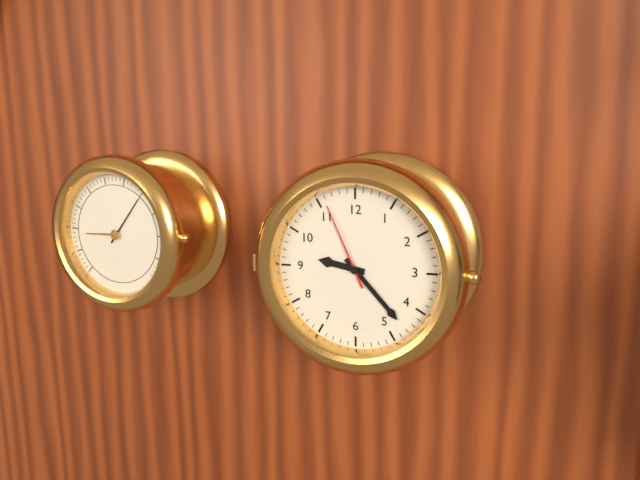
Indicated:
9,23,56
